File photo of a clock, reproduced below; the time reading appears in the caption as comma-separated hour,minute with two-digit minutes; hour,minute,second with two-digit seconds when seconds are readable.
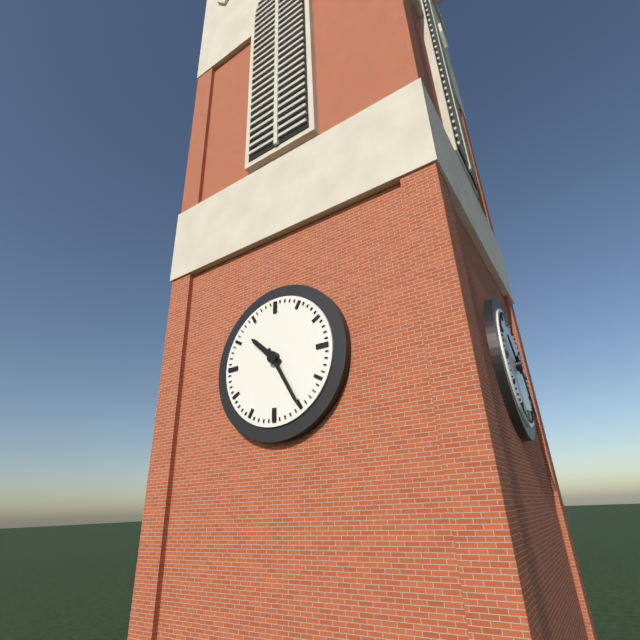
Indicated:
10,25
